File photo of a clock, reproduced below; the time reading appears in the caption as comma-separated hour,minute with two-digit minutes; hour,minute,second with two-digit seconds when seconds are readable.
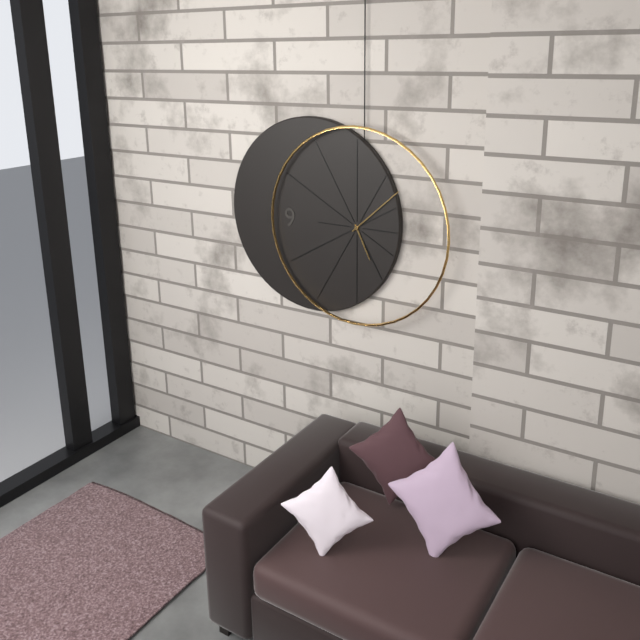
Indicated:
5,08
